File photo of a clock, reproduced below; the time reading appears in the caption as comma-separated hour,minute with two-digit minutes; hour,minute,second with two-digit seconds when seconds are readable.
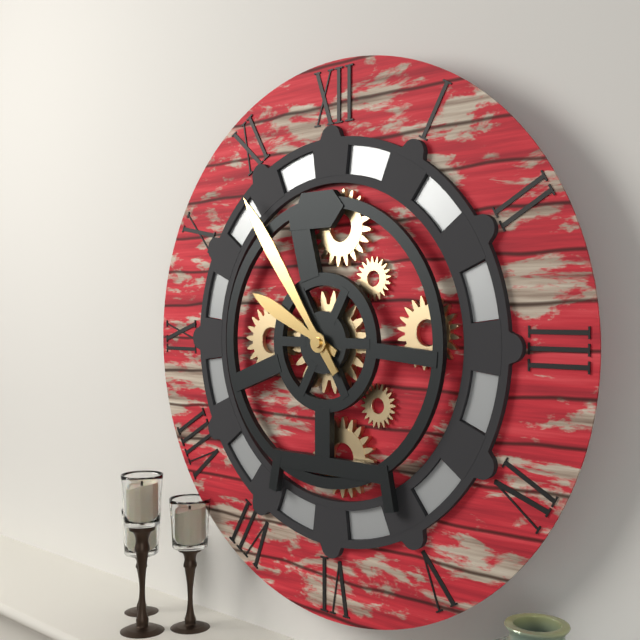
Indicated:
9,54
